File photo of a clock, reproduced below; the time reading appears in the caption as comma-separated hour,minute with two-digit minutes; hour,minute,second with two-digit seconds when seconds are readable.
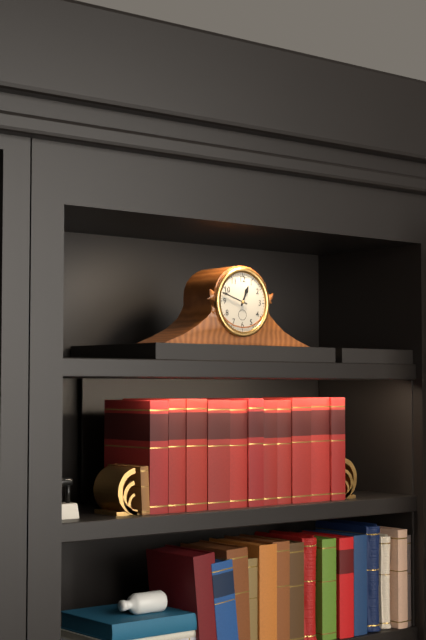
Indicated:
12,48
